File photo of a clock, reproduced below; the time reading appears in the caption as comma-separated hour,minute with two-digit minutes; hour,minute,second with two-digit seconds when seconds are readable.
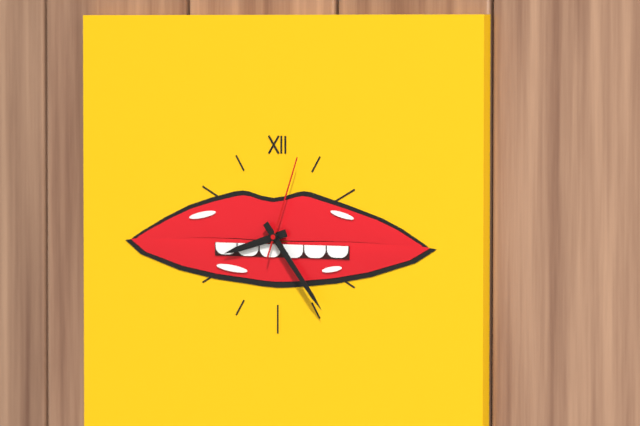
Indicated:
8,24,03
